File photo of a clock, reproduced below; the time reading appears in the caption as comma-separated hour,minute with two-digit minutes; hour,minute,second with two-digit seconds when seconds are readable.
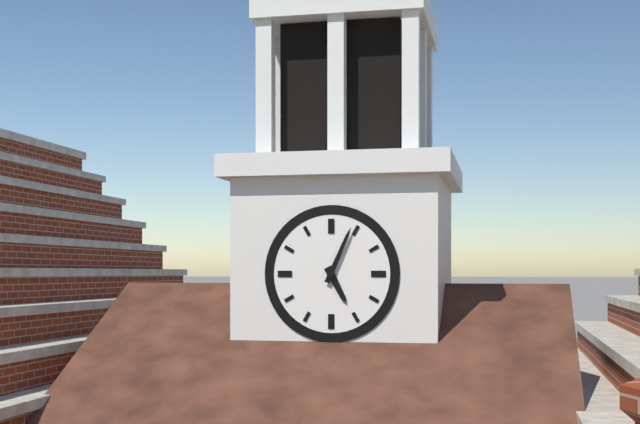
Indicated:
5,04
